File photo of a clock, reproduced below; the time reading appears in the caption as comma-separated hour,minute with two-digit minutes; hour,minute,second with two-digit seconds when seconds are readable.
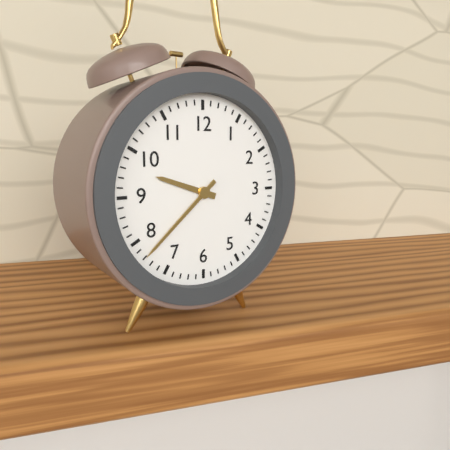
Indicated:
9,38
